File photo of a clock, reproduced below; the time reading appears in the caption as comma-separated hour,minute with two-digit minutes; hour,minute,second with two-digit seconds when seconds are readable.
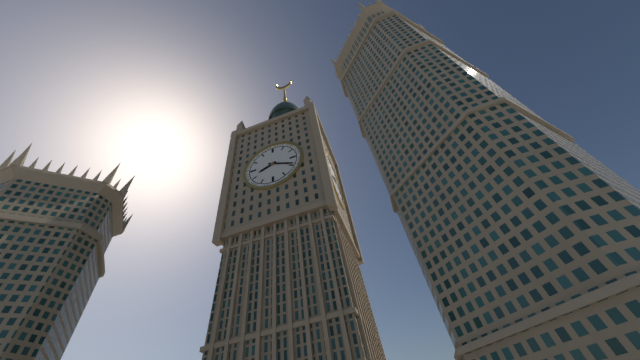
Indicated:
8,19
